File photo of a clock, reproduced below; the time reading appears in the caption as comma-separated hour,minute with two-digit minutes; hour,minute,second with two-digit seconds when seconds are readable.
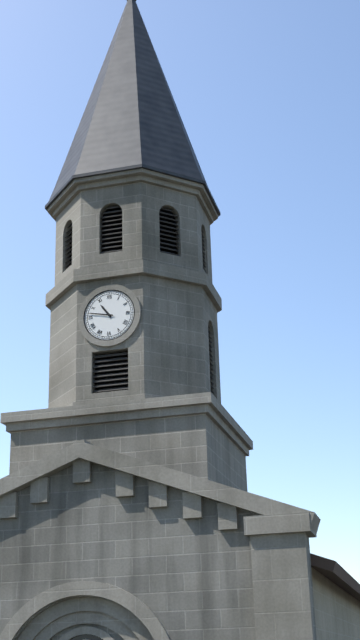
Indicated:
10,47
